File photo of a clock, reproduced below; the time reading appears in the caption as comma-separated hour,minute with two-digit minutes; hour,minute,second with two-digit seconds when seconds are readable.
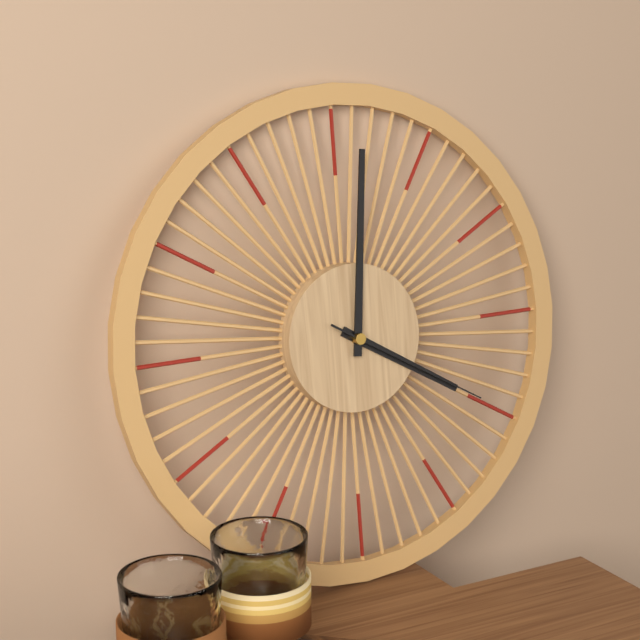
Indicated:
4,01,20
